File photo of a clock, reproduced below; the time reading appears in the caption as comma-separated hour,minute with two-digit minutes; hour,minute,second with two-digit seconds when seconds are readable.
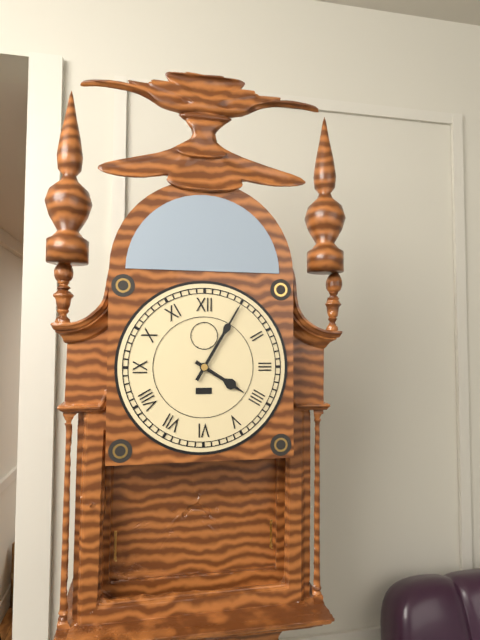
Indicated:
4,05
